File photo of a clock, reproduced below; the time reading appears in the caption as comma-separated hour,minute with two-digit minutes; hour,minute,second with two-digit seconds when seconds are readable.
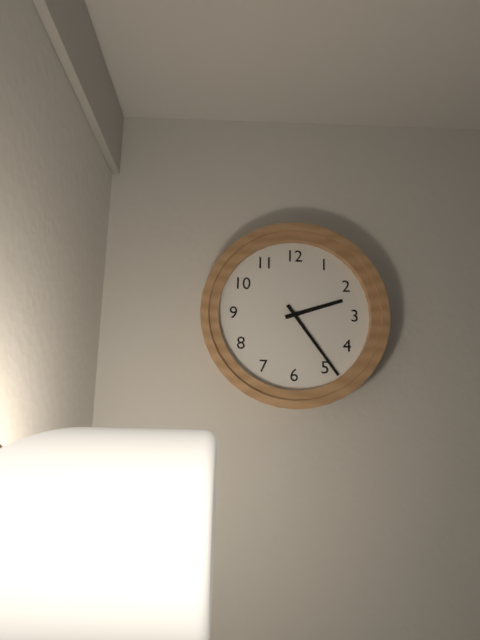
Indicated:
2,24
